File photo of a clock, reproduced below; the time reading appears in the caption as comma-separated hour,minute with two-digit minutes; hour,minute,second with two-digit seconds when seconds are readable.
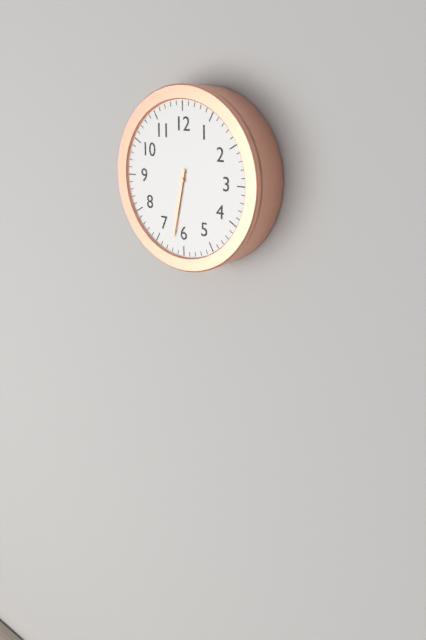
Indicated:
6,32
